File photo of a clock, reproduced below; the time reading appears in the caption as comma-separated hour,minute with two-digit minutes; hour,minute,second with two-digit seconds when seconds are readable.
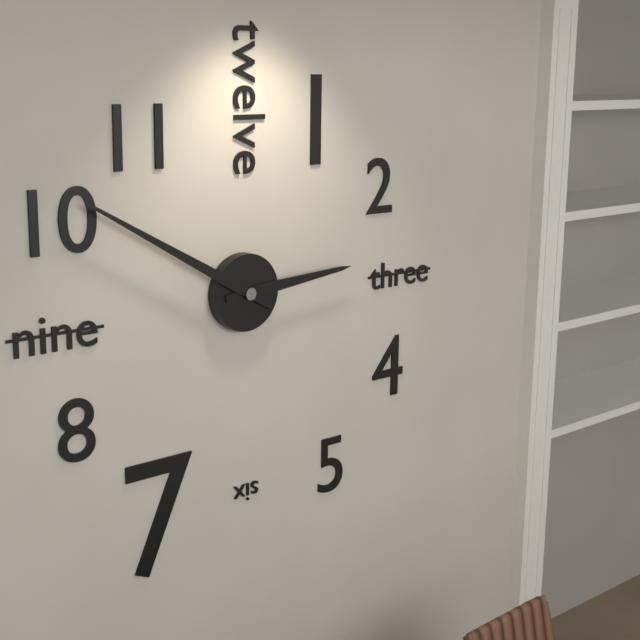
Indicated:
2,50
